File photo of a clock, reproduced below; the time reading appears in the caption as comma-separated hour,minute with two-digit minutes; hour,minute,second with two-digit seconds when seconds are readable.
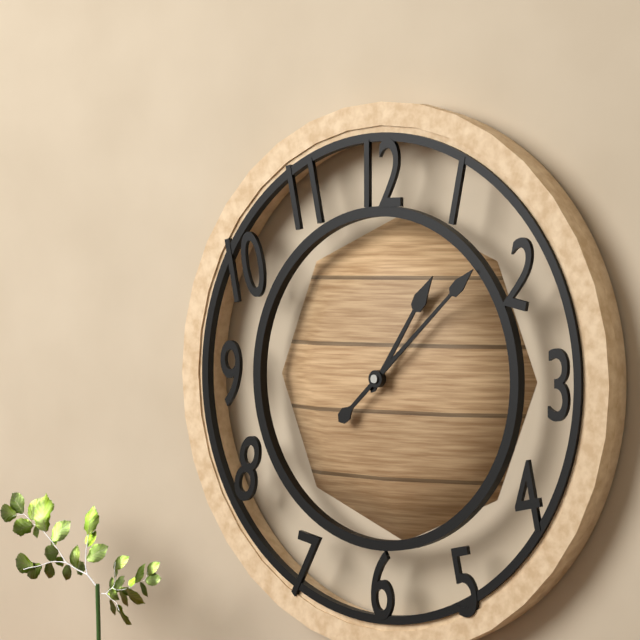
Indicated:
1,08
